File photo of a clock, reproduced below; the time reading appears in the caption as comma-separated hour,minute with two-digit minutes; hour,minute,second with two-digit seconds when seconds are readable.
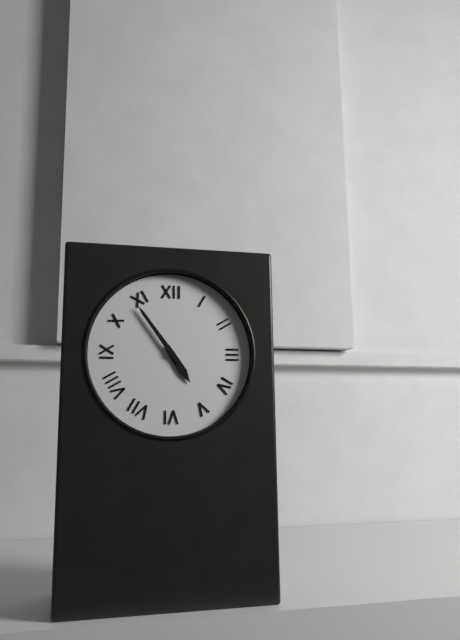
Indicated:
4,54
